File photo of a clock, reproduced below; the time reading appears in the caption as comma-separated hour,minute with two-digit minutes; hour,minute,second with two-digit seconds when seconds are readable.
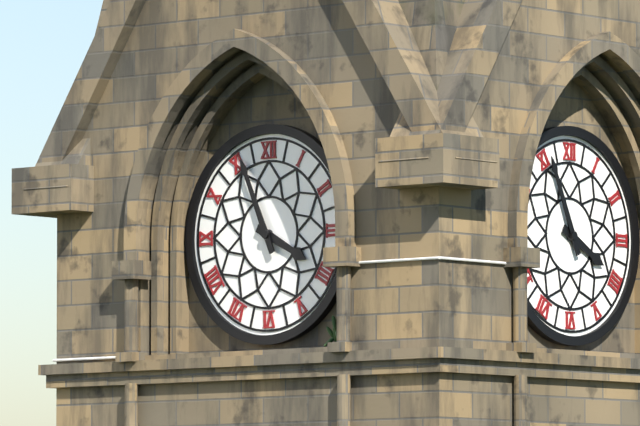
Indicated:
3,56
